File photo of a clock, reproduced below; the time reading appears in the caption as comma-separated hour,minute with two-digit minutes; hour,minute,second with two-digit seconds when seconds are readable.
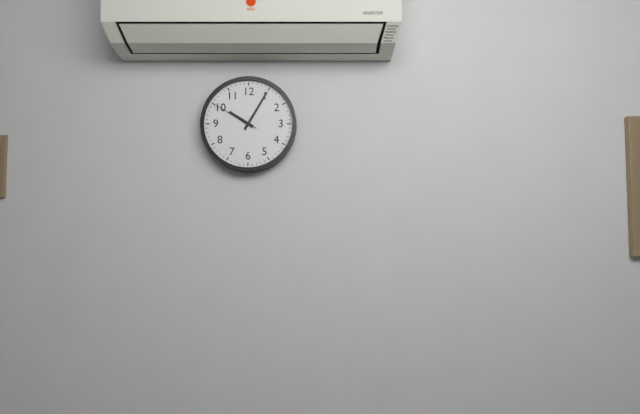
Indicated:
10,05,50
